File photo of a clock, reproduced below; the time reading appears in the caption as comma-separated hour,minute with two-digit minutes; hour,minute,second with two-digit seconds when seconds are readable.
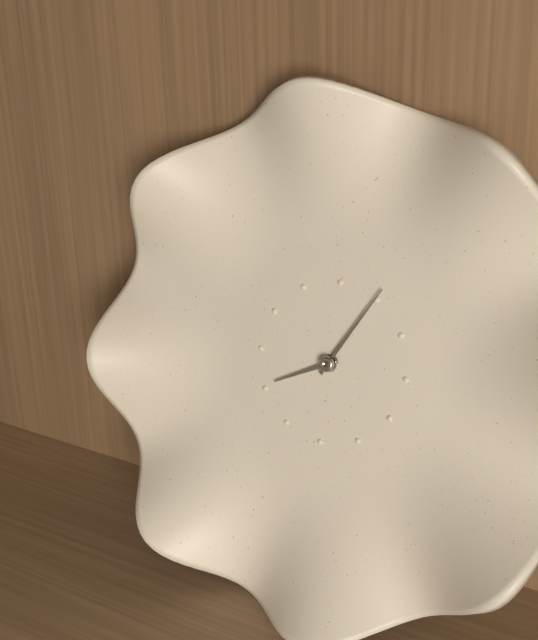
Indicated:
8,05
